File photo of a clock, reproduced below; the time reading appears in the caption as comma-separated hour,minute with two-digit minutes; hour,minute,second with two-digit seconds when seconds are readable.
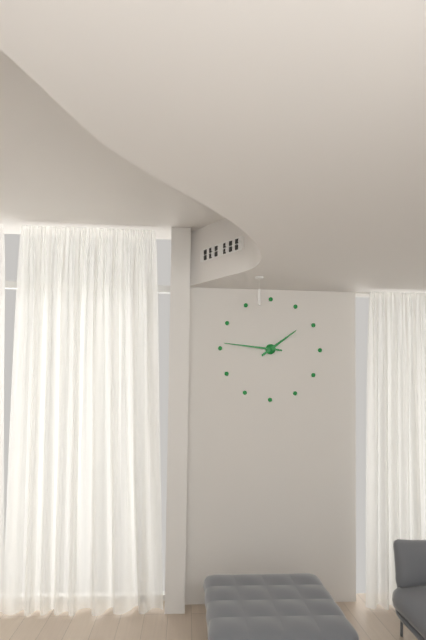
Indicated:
1,46
